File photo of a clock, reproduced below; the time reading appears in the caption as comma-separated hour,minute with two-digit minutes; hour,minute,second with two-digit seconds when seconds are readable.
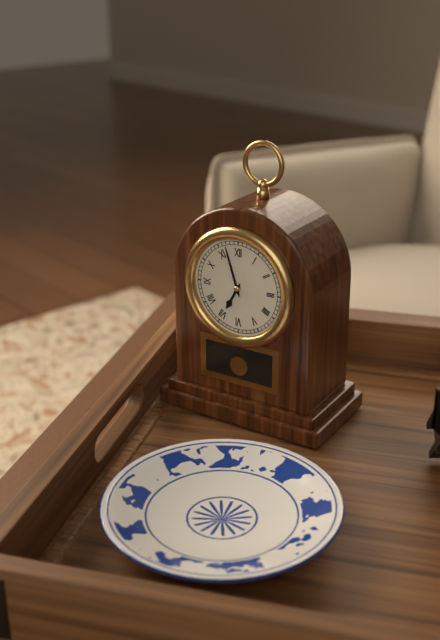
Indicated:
6,57
